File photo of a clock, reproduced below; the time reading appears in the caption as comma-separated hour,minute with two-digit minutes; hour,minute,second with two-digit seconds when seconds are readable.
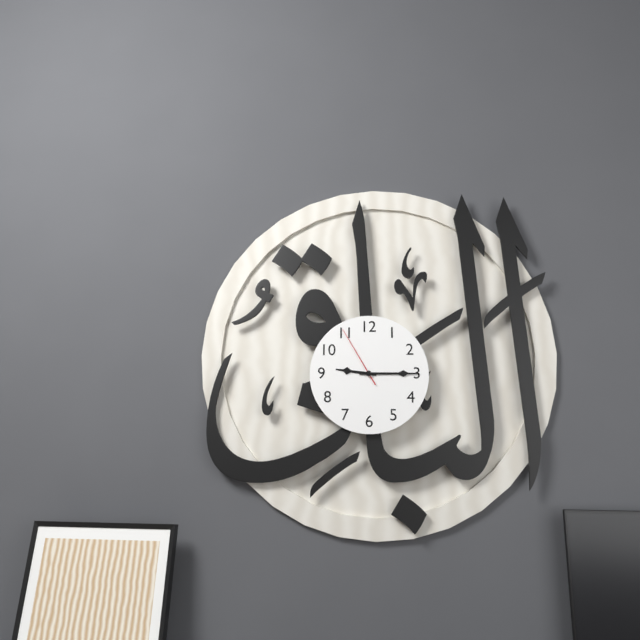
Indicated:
9,15,55
